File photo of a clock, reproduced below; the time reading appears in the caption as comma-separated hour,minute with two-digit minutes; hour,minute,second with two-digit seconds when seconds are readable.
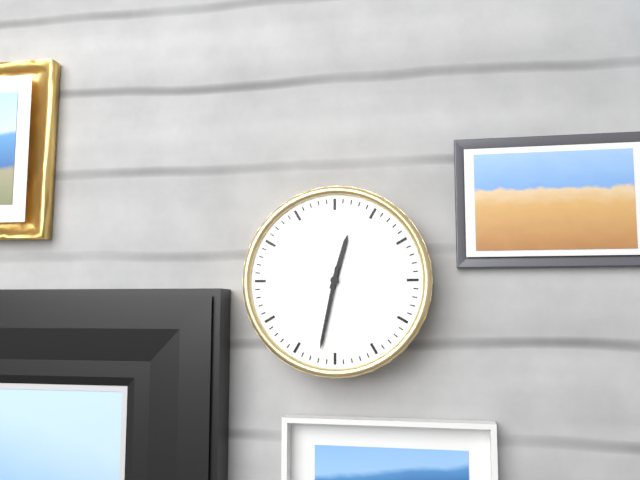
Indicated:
12,32
